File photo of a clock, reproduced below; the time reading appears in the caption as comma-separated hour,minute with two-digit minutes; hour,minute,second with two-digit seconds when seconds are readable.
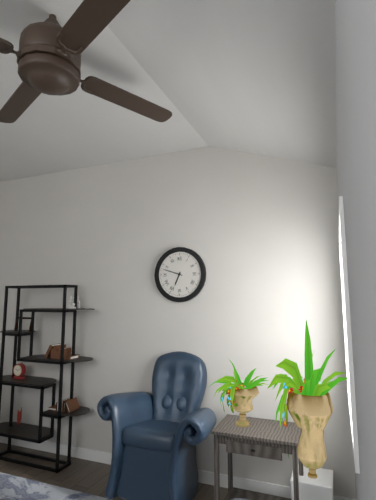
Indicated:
6,48
